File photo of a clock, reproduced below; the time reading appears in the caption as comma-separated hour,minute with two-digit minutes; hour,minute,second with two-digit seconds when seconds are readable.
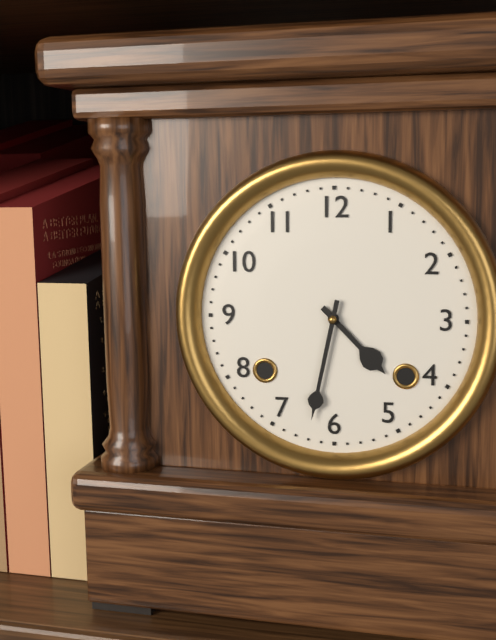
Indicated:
4,32
